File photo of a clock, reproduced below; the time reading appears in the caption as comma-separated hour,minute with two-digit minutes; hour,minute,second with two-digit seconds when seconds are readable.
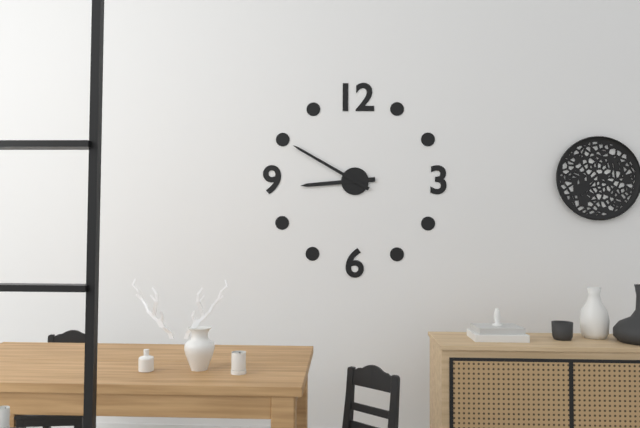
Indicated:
8,50
